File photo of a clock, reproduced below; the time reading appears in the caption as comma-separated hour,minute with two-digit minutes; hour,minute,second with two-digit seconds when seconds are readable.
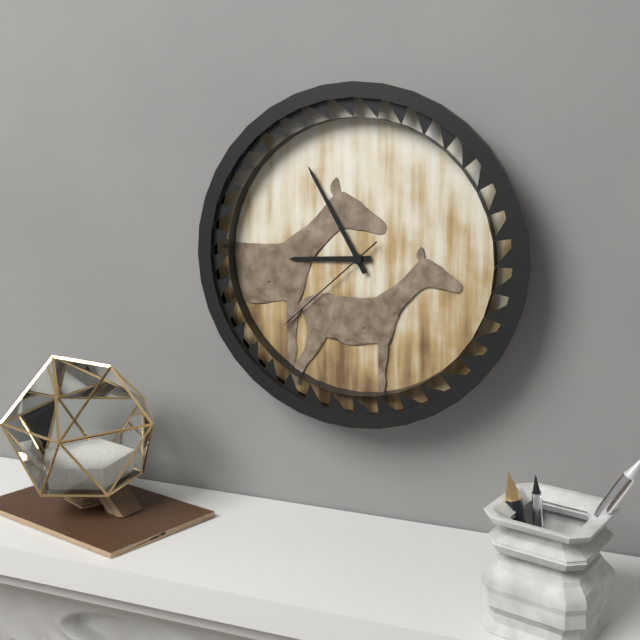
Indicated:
8,55,38
